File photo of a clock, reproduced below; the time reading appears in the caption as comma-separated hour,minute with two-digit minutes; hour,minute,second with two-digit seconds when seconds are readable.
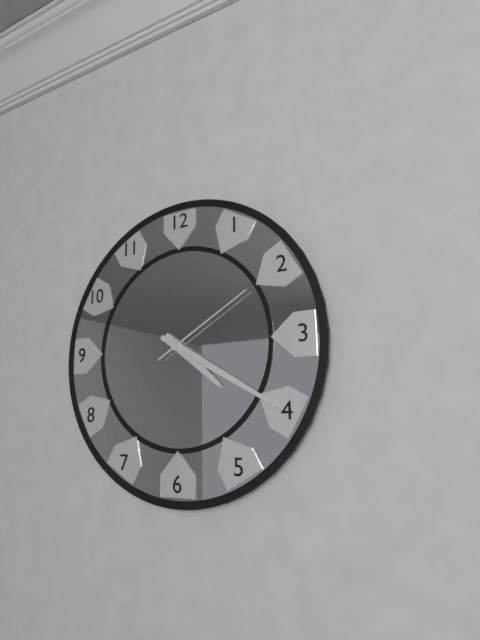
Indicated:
4,20,10
